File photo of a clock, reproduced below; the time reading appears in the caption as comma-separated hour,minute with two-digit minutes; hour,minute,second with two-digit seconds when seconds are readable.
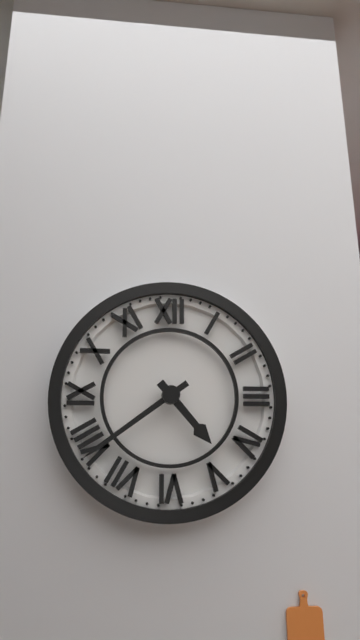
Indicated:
4,39
